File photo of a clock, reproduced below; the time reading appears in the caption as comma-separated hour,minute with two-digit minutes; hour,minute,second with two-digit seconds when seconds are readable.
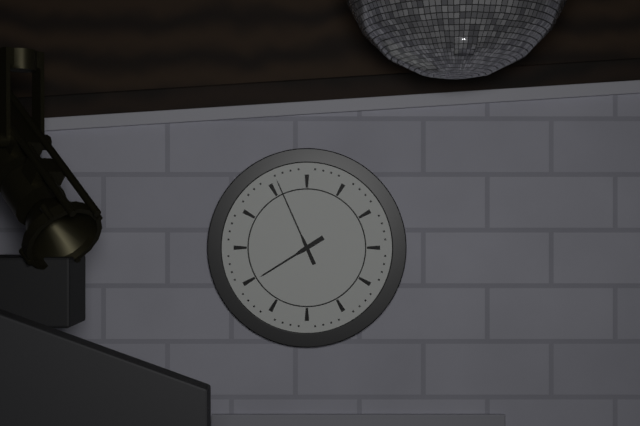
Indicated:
7,56
